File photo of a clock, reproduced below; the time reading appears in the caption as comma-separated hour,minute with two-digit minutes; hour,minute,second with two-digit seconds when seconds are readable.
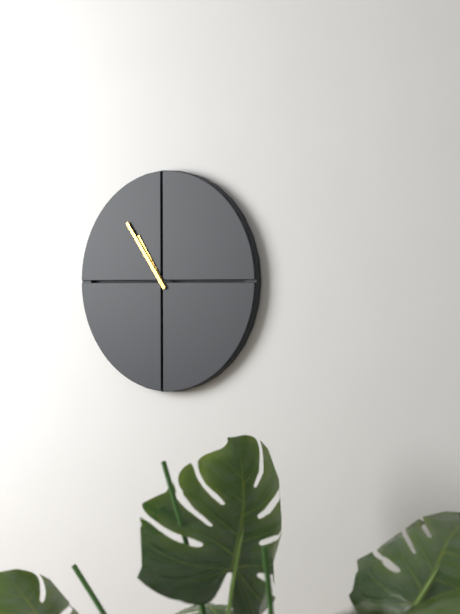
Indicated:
10,54
